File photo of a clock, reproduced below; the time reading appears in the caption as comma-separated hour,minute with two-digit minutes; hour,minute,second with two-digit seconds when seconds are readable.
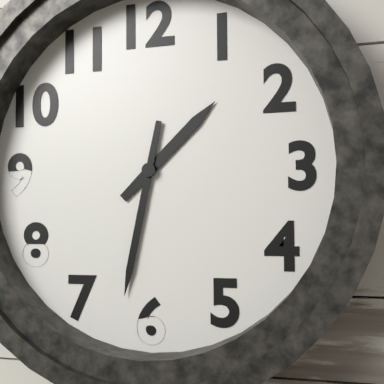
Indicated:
1,32
